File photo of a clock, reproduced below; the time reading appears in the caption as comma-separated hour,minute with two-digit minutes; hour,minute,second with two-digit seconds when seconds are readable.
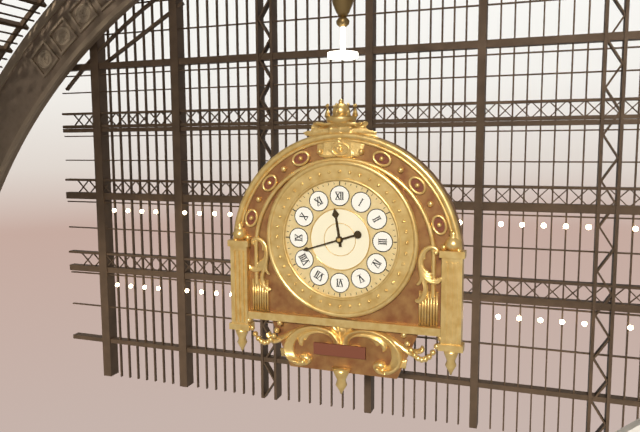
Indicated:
11,42
